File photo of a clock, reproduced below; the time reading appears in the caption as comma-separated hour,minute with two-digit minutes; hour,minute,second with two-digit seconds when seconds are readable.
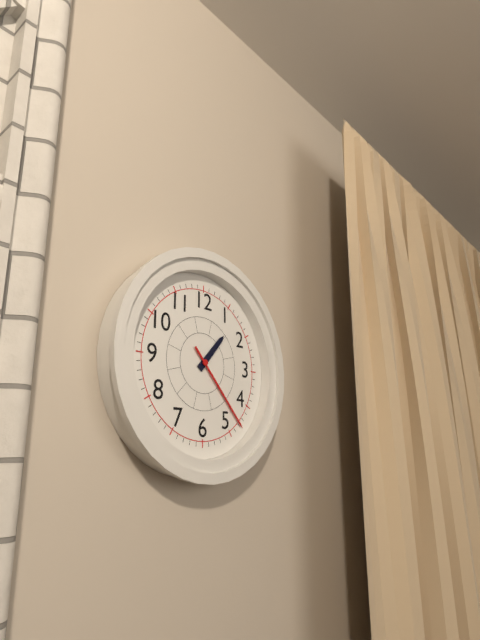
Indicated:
1,23
